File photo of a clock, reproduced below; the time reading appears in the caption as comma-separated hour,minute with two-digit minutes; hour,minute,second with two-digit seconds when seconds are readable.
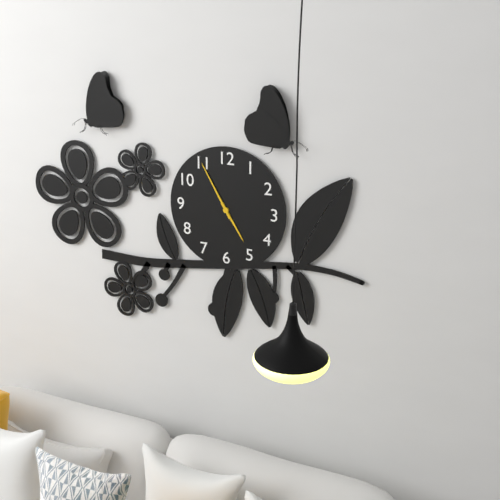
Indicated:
4,55
